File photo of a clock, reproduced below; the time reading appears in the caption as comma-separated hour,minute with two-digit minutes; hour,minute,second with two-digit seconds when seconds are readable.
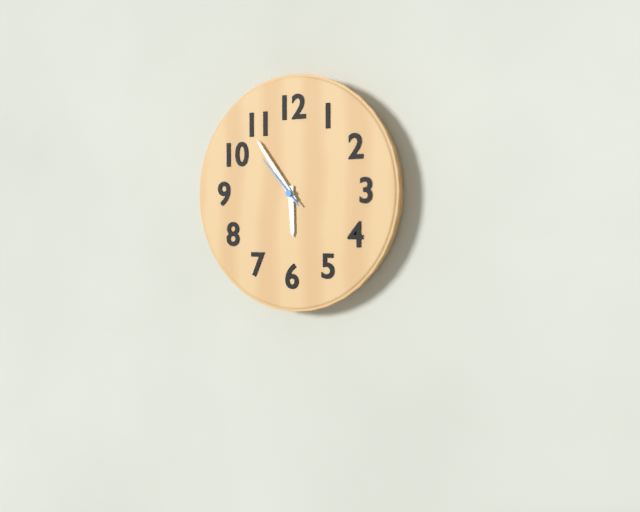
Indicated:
5,54,53
